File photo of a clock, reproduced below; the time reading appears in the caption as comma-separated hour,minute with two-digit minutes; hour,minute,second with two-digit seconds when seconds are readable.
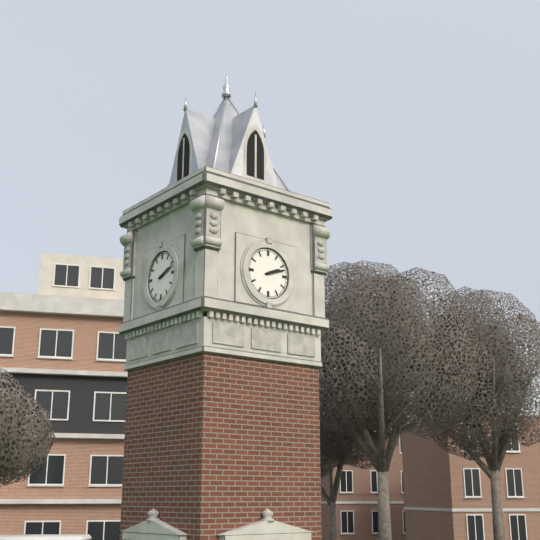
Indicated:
2,12
